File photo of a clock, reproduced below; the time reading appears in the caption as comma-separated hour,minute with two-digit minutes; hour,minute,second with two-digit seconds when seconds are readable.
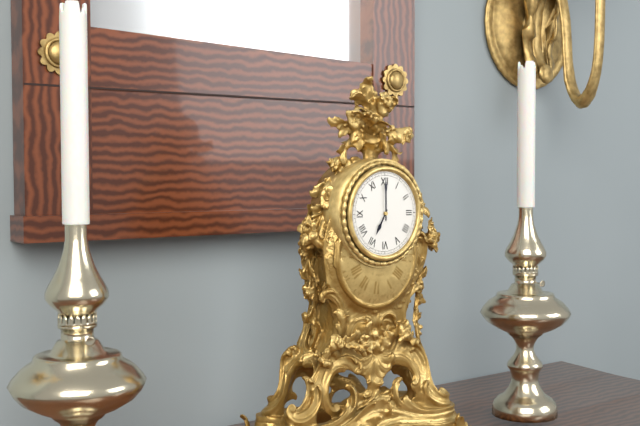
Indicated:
7,00
